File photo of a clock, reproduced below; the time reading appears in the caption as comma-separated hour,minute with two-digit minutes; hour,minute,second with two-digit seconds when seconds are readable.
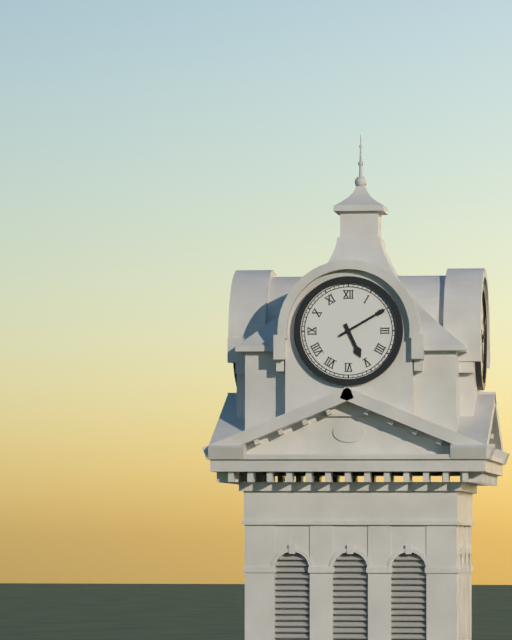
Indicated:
5,10
